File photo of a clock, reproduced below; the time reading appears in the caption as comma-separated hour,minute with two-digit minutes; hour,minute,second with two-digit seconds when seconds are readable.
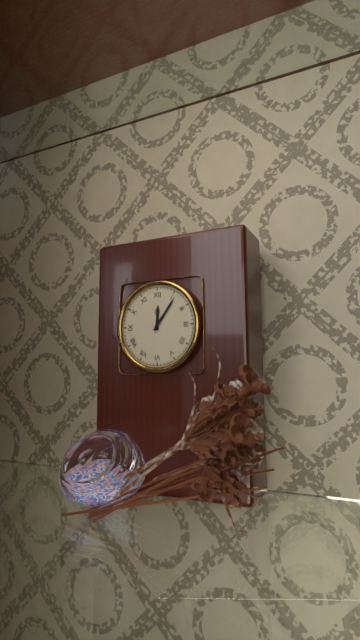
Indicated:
12,06
